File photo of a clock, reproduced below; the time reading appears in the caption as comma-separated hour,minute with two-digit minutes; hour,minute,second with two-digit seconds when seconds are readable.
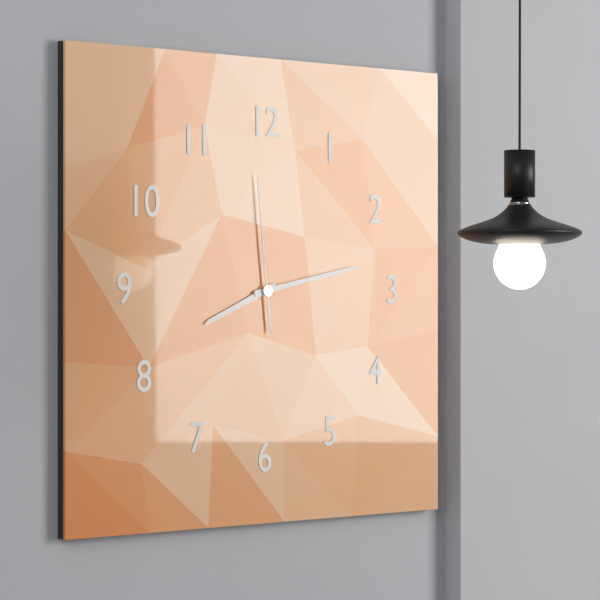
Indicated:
8,13,59
